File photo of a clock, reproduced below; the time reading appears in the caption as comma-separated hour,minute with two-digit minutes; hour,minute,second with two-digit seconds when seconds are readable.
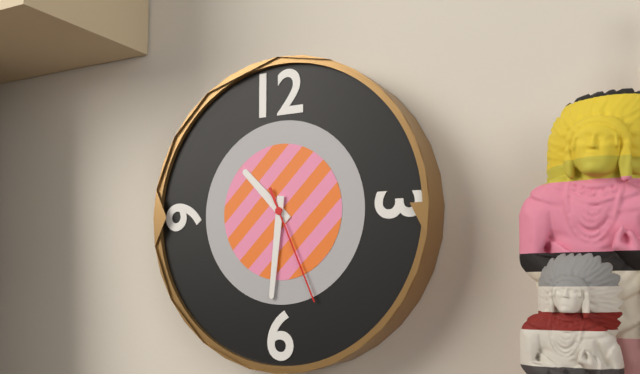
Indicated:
10,31,26
